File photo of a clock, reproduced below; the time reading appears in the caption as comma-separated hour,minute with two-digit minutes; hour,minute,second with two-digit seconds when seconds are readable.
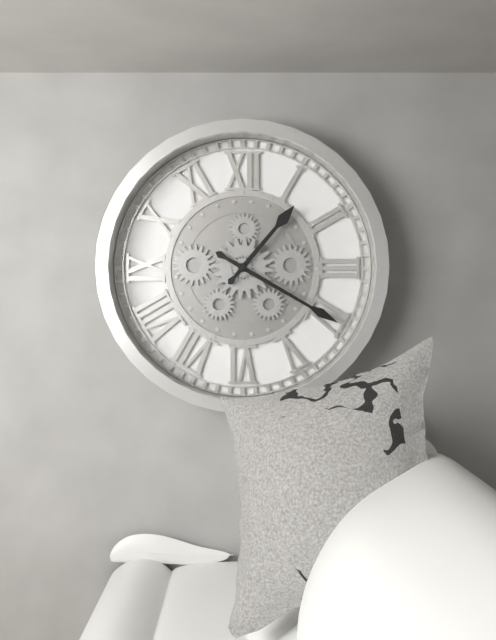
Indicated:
1,20
